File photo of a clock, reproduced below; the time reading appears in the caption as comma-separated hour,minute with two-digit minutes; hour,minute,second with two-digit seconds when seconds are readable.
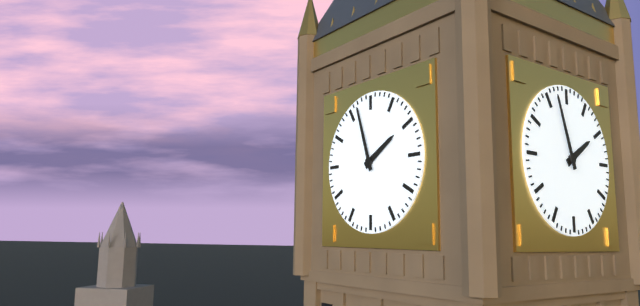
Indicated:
1,57
